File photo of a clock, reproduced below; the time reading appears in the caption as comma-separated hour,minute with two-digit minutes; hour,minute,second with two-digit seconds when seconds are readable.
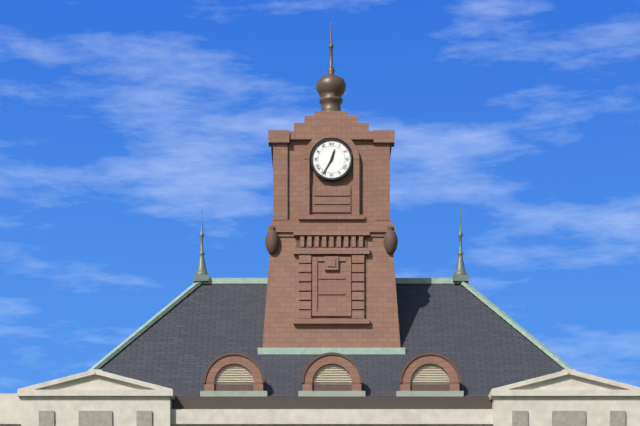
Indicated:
12,35
